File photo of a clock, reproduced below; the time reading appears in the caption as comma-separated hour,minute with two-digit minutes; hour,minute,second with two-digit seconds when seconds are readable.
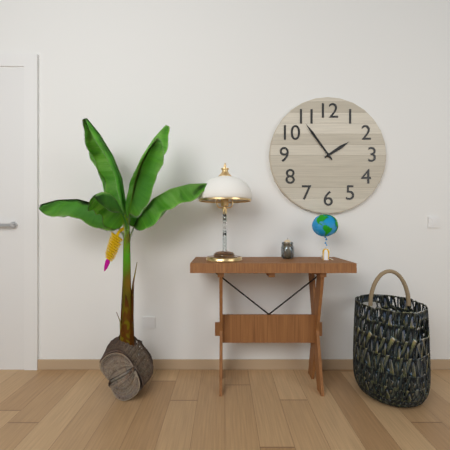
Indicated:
1,54
